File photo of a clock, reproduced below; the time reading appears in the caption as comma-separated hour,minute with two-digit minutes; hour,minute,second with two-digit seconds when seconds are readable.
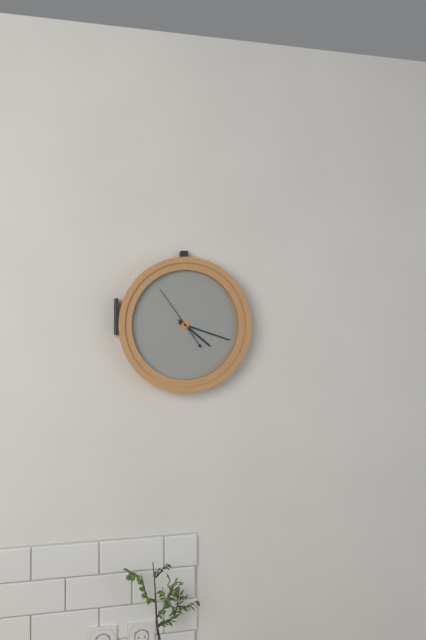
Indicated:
4,18,54
